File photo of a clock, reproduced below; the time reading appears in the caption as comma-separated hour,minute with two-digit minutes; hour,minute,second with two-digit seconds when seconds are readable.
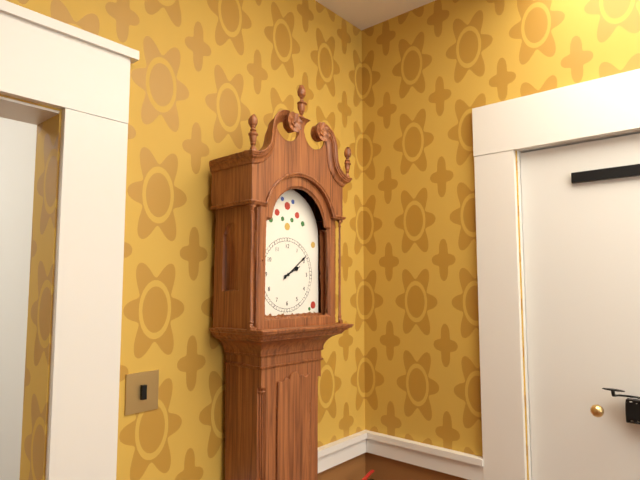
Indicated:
2,09
